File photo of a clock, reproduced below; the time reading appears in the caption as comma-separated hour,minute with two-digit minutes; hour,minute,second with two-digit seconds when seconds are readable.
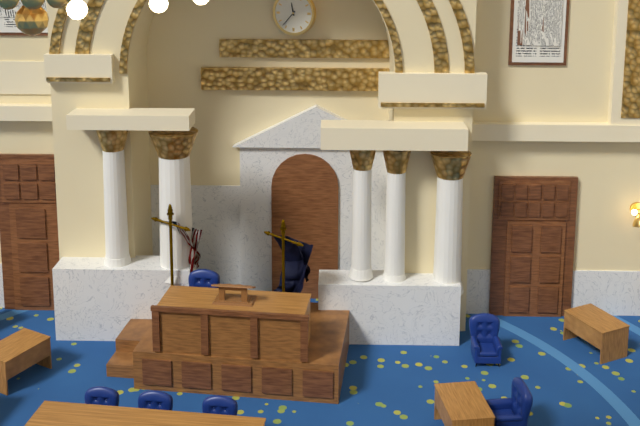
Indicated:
11,37
